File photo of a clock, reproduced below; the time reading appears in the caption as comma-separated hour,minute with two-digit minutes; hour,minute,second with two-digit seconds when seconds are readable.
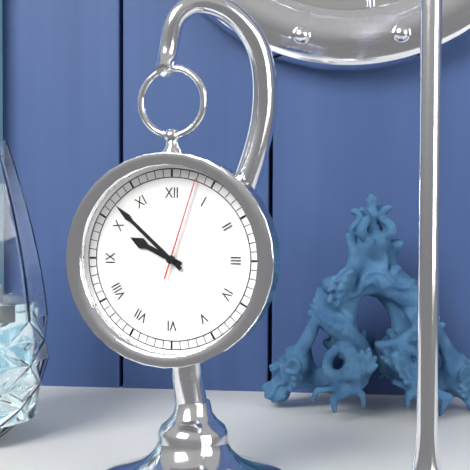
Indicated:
9,52,03
